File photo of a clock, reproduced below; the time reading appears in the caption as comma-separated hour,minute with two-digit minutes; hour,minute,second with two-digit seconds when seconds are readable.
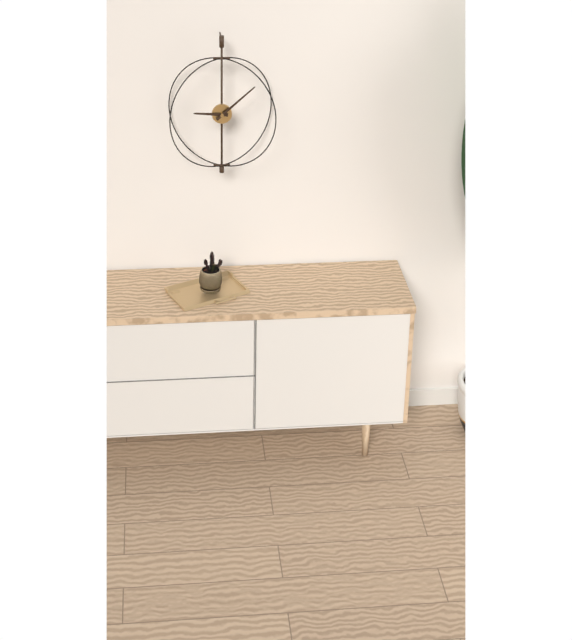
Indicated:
9,08
